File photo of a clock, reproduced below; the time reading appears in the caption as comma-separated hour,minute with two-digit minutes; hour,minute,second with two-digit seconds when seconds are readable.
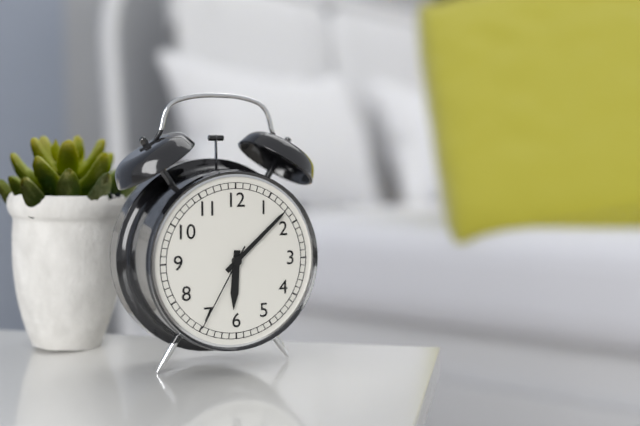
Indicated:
6,08,35
